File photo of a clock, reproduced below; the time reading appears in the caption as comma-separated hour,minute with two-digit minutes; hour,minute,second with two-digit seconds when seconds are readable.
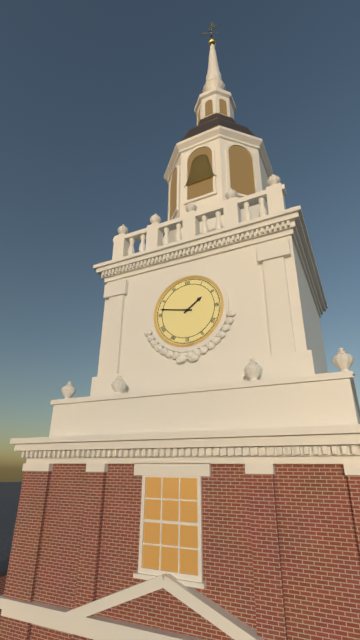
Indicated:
1,47
